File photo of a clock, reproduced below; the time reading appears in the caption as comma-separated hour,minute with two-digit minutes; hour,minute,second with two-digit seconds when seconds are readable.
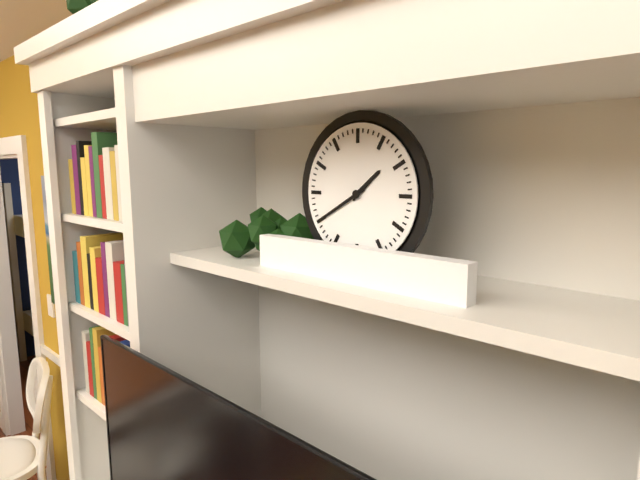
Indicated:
1,40
